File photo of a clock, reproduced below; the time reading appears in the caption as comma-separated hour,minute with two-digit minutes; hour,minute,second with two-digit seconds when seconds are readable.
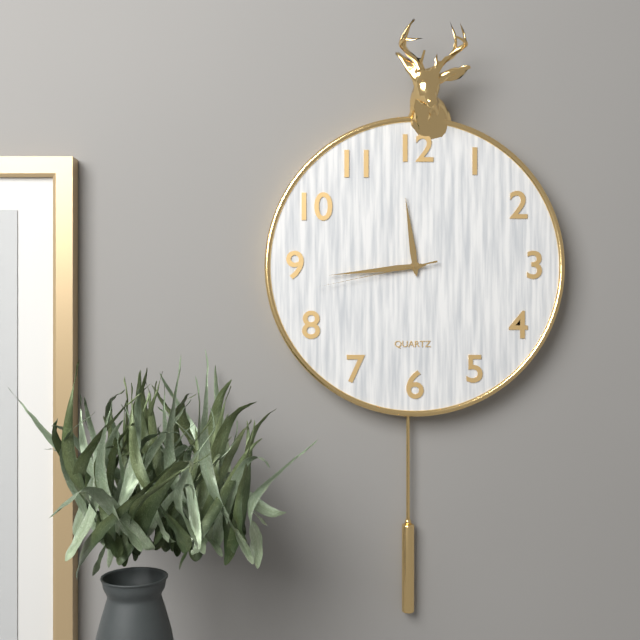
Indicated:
11,44,43
